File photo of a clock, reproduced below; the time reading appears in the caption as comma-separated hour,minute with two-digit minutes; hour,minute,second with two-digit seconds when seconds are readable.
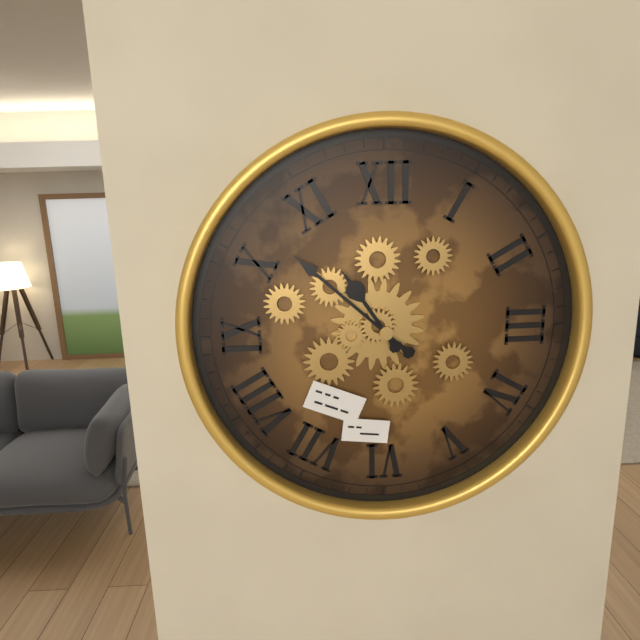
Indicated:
10,52
